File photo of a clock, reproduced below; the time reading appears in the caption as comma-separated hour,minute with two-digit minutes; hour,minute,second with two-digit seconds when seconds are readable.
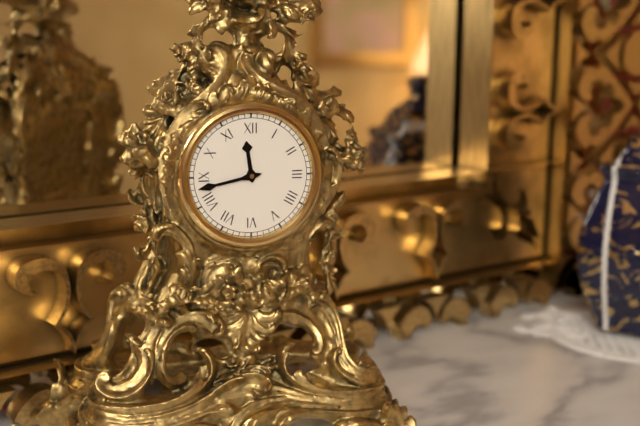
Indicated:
11,43
